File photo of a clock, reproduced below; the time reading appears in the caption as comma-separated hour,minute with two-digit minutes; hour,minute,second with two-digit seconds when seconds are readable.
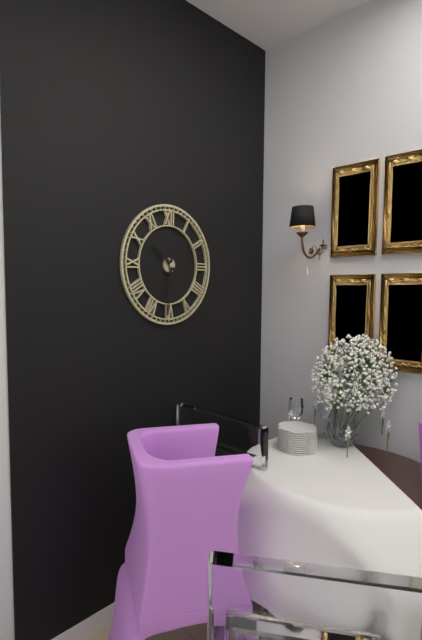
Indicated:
10,31
